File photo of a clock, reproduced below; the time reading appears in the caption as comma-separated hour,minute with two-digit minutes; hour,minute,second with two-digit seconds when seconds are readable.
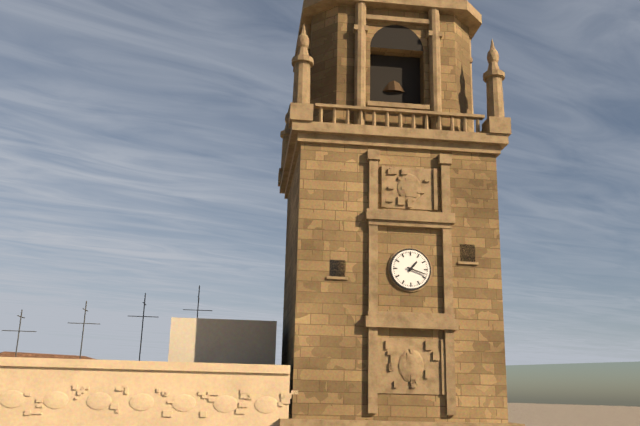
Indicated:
1,18
